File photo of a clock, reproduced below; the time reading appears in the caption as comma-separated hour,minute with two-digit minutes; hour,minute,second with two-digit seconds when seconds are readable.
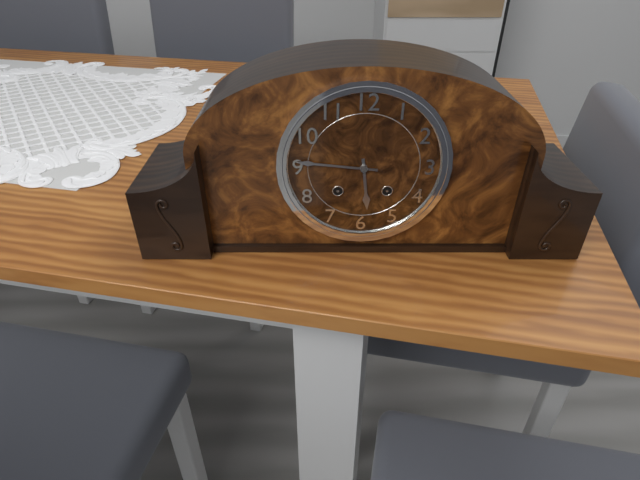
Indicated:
5,46
